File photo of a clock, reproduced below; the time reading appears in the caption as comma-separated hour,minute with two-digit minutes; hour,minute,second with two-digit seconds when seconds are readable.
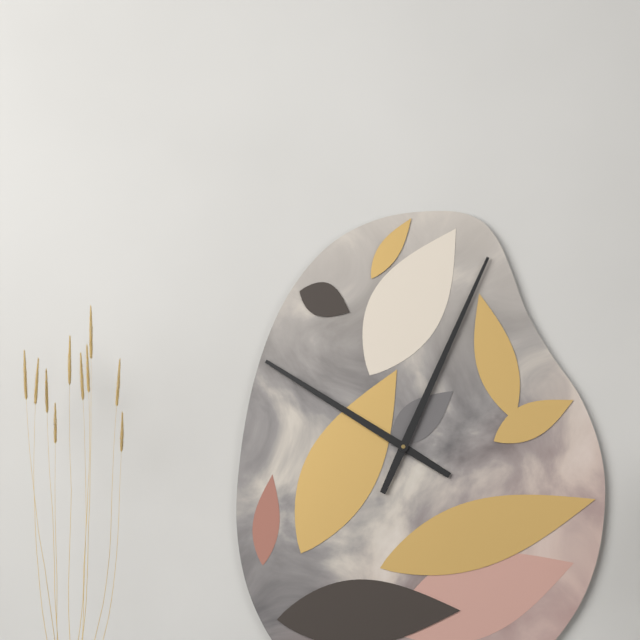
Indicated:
10,04
